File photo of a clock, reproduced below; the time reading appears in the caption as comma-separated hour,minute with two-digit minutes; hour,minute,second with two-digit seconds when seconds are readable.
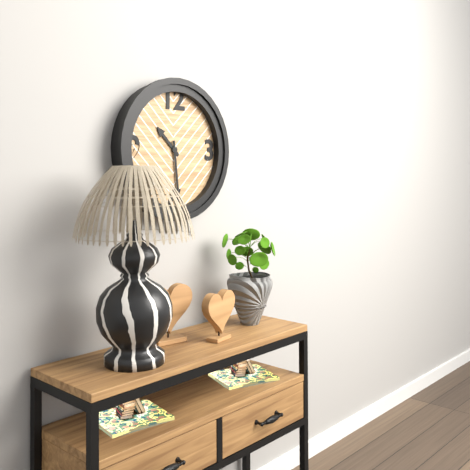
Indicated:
10,29
